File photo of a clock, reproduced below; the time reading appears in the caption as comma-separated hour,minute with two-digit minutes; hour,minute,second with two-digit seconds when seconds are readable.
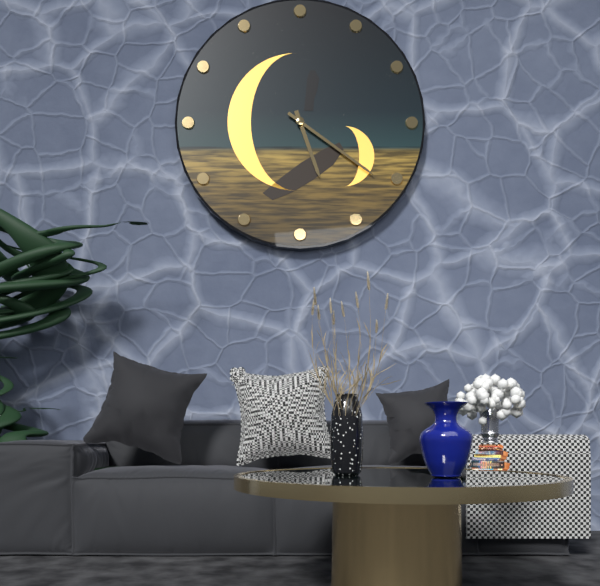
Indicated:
5,21
